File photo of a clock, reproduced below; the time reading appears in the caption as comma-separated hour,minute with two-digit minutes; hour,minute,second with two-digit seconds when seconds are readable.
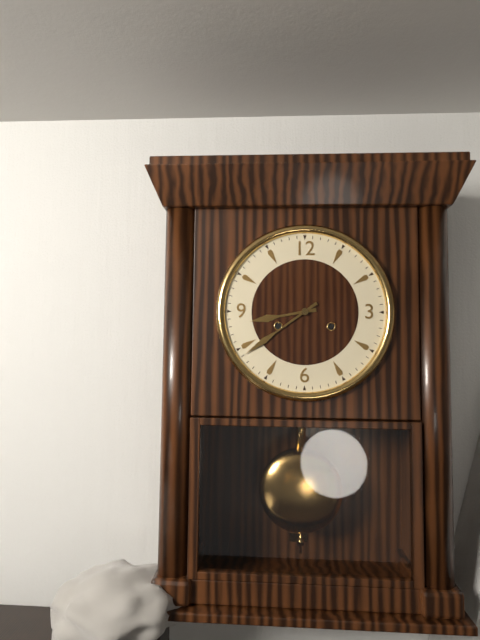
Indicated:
8,39
